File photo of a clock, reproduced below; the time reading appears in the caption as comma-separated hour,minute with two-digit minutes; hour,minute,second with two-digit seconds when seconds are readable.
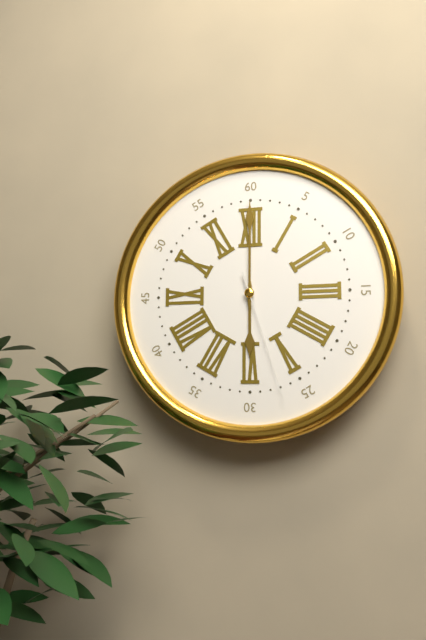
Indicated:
6,00,27
